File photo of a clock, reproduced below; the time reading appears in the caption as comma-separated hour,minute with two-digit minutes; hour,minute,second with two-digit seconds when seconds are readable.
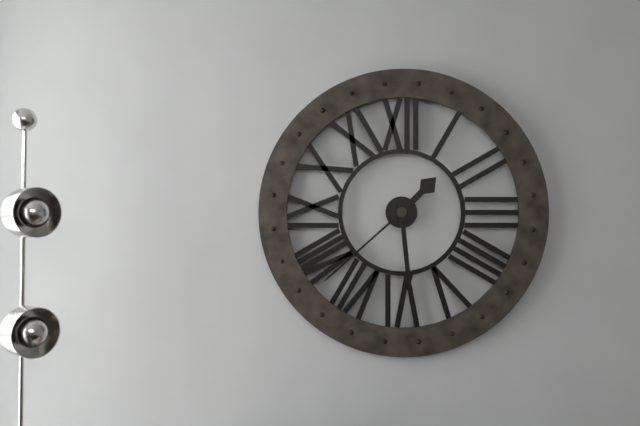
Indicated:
1,29,38
